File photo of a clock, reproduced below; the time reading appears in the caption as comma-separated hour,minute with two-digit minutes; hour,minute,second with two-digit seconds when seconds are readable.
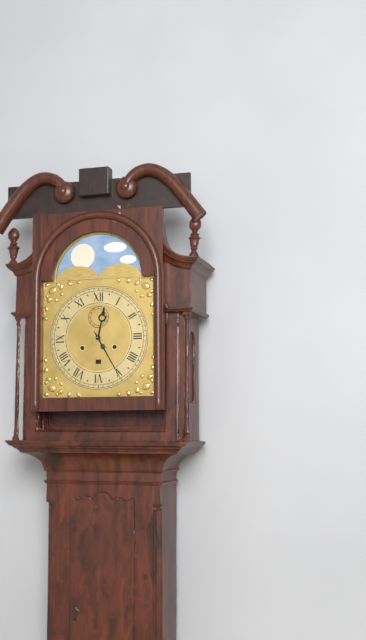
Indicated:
12,25
